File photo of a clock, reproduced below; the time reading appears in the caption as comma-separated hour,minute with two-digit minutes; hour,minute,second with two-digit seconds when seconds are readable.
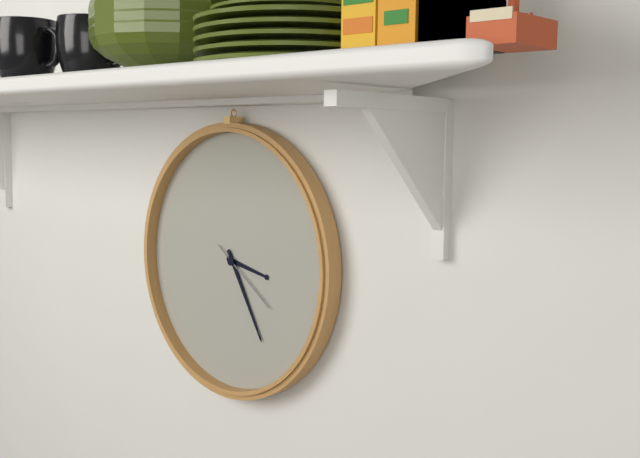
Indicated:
3,25,21
